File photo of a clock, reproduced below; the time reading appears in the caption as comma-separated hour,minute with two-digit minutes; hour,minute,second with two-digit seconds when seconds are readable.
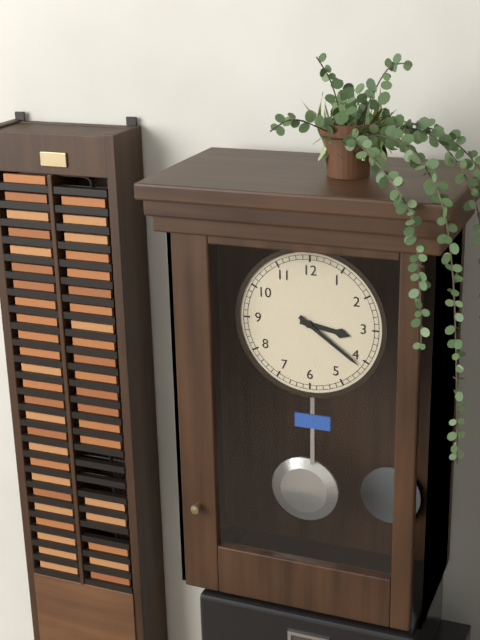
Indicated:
3,21
